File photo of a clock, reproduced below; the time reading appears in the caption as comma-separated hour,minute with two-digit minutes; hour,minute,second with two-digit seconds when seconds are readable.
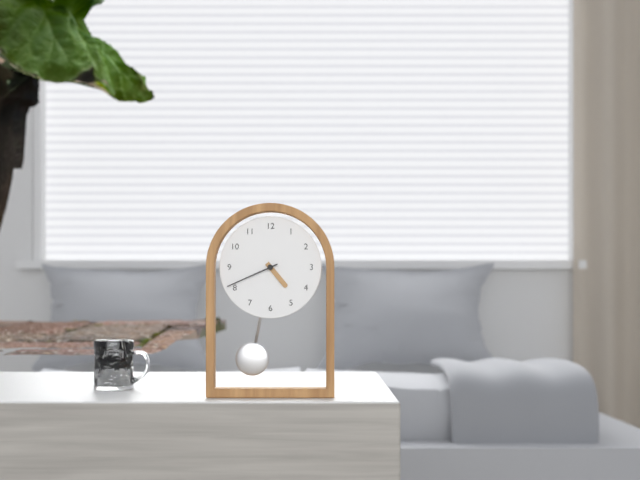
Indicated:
4,41
